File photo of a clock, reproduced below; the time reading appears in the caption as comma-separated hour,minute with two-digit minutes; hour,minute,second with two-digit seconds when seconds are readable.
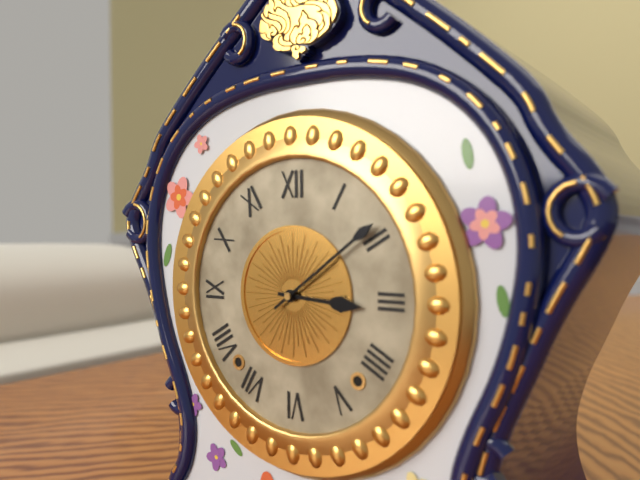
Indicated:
3,09
